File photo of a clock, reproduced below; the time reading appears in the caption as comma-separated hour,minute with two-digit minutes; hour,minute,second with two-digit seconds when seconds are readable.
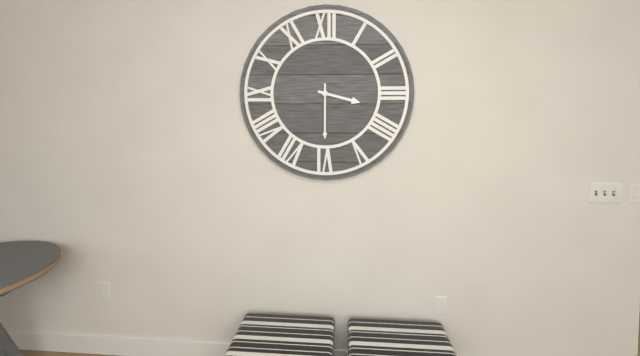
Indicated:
3,30
